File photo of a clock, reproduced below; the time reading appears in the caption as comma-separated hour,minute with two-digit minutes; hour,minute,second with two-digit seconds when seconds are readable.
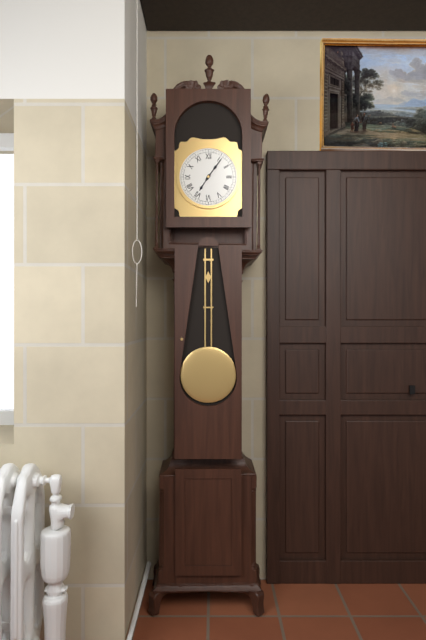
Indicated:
7,06
